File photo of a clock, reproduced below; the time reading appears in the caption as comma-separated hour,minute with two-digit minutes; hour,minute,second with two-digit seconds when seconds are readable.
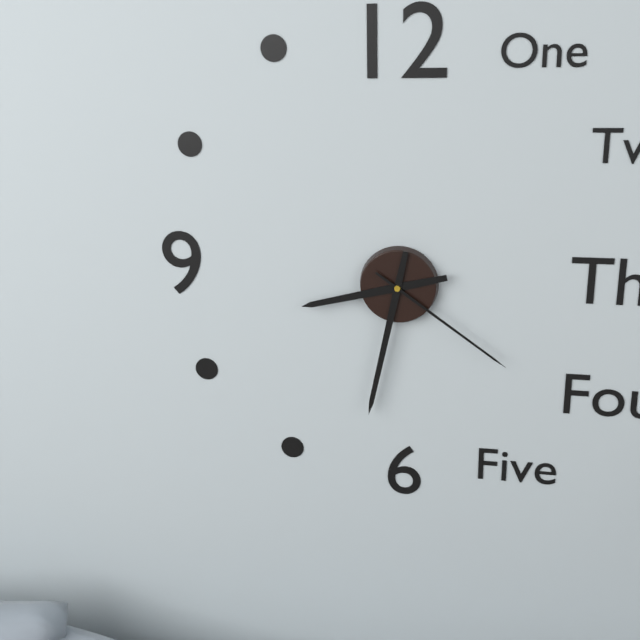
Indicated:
8,32,21
